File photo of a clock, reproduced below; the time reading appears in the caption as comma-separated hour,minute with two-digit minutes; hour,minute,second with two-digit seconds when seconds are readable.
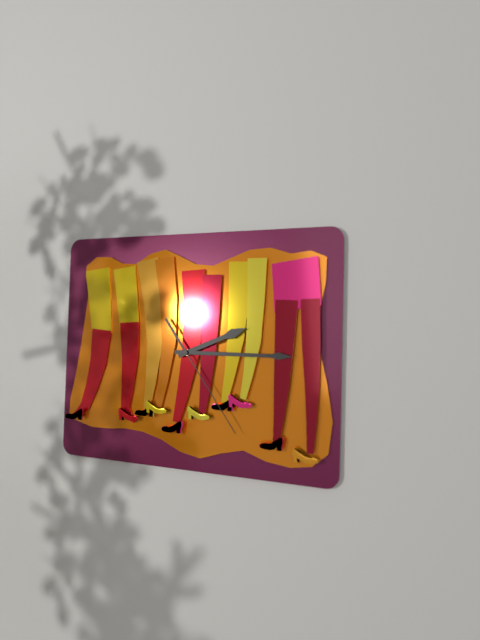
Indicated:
2,15,24
